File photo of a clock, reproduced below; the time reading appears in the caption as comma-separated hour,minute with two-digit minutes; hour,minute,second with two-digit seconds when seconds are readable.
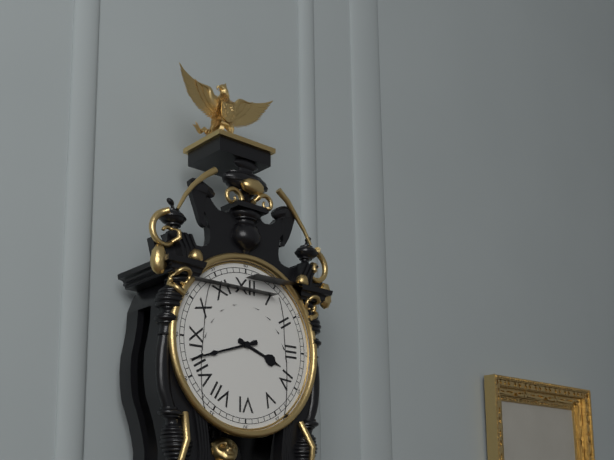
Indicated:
3,42
